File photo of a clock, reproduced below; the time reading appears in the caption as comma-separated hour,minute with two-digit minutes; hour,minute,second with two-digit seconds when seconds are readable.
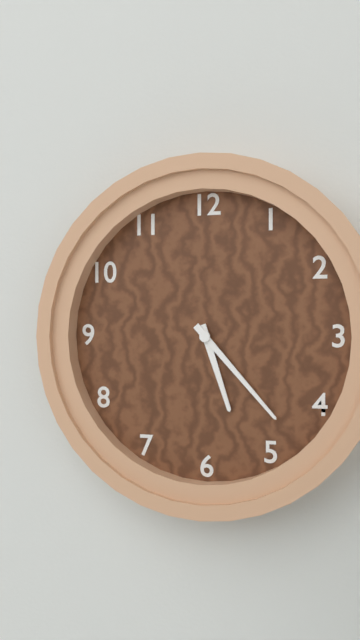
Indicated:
5,23
